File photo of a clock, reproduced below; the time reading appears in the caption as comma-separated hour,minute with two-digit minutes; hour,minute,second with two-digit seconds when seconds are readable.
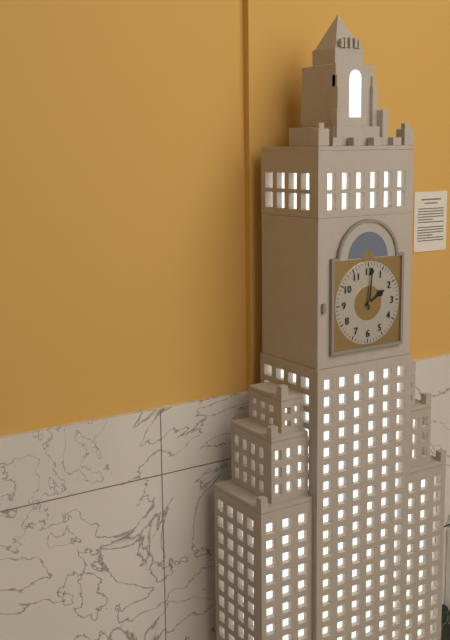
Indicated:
2,01
